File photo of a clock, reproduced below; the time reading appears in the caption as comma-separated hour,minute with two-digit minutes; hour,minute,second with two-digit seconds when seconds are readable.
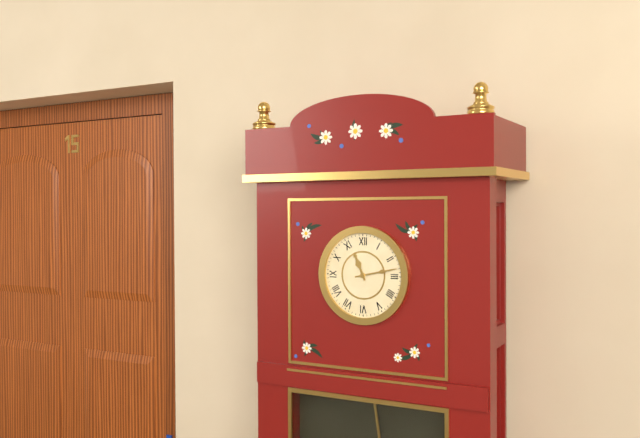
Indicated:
11,13
